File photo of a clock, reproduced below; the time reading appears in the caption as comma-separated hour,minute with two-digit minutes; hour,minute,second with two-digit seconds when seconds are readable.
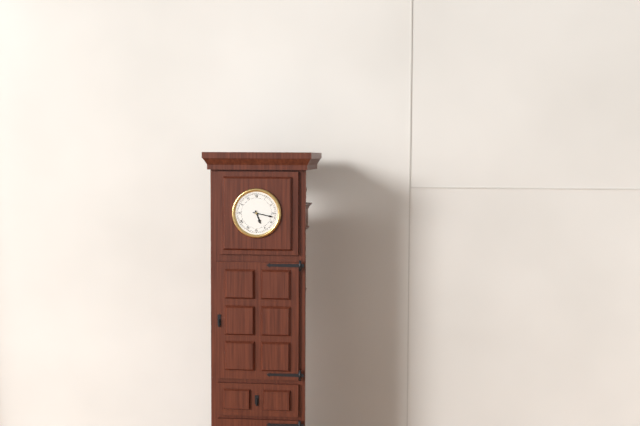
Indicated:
5,17
